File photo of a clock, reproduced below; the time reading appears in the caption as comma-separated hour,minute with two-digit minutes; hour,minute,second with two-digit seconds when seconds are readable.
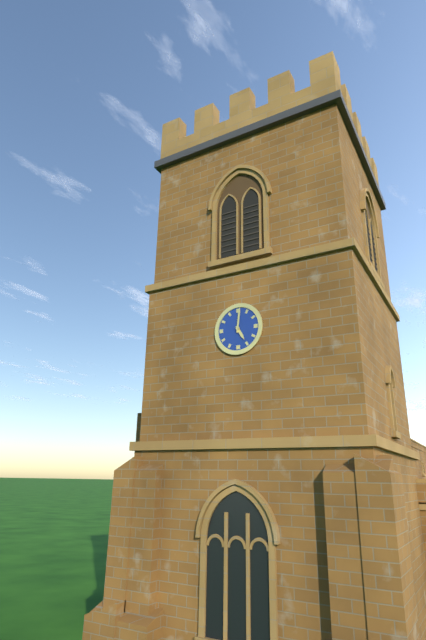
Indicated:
5,01
